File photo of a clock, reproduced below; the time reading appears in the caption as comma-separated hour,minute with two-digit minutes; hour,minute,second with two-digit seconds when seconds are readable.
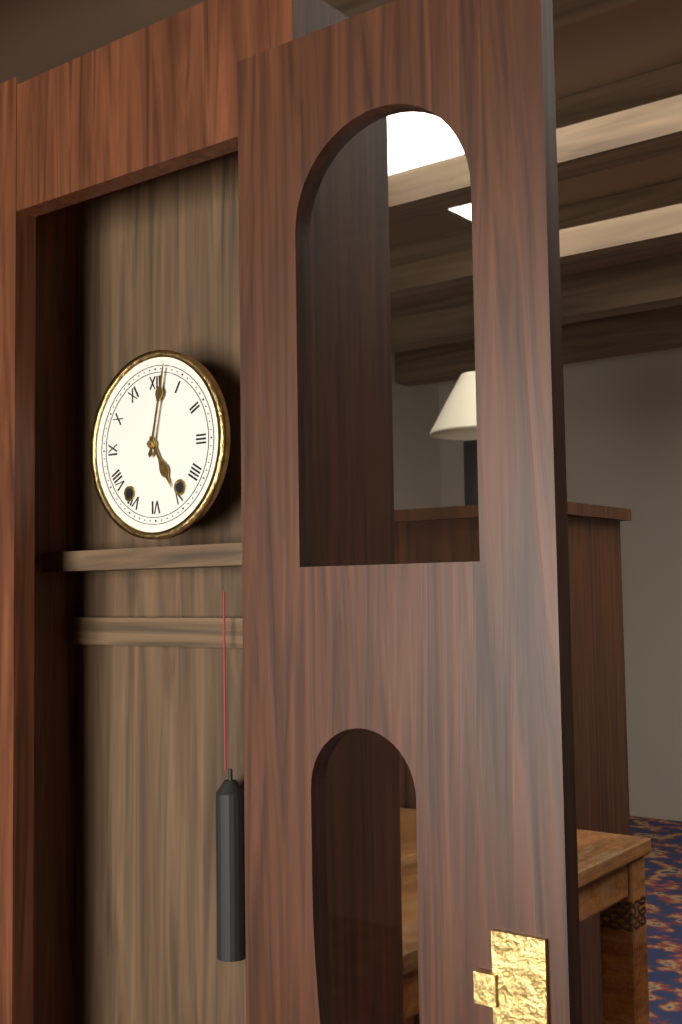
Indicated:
5,02
